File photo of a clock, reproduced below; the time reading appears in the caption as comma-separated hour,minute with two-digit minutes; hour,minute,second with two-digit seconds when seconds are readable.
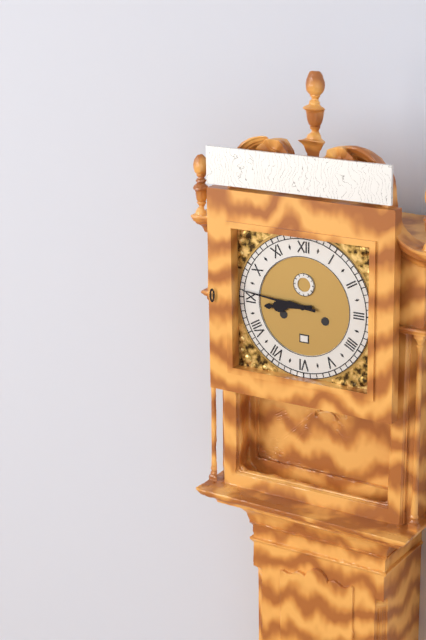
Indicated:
8,46
